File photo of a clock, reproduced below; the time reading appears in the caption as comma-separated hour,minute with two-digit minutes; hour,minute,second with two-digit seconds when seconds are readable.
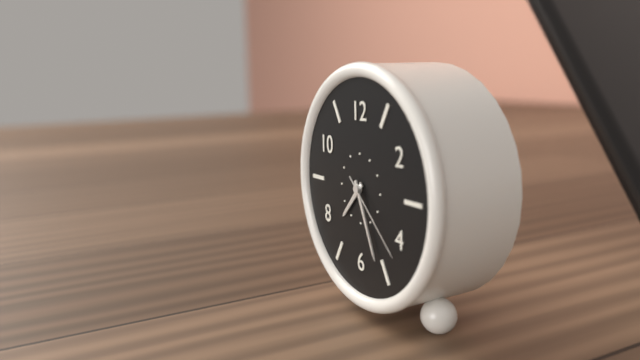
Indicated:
7,26,22
